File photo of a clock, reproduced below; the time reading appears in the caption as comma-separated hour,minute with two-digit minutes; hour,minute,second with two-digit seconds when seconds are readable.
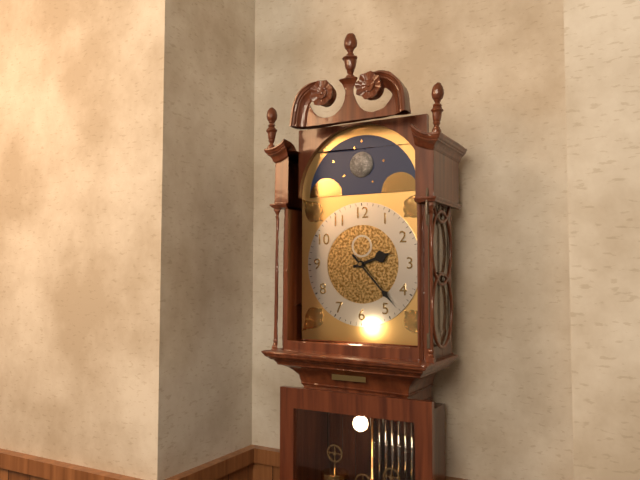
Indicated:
2,23
